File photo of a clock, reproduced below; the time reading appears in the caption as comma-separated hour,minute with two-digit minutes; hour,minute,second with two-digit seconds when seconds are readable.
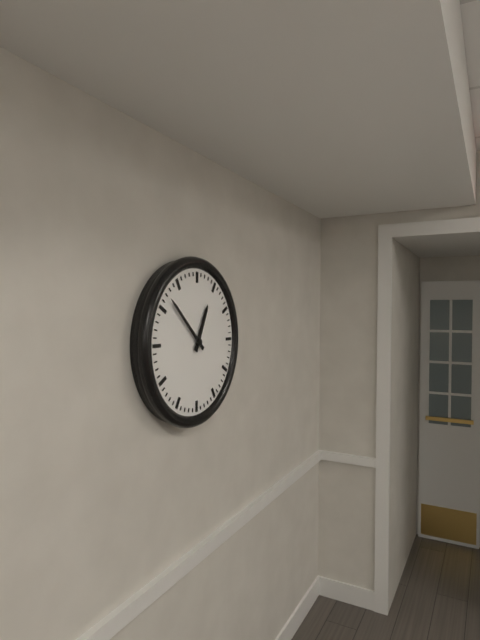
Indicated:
12,52
